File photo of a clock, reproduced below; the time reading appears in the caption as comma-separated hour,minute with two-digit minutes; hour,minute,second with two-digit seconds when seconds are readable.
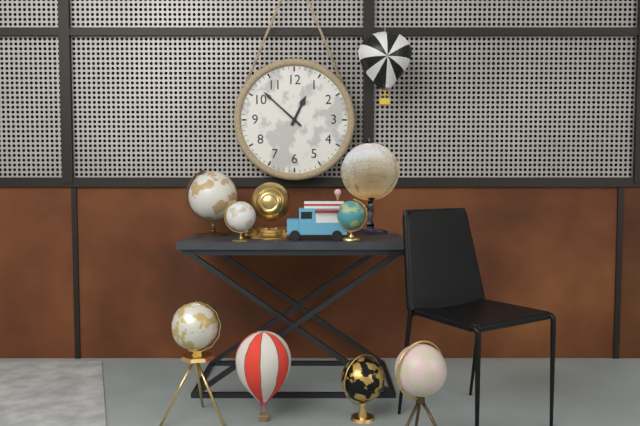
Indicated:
12,52
